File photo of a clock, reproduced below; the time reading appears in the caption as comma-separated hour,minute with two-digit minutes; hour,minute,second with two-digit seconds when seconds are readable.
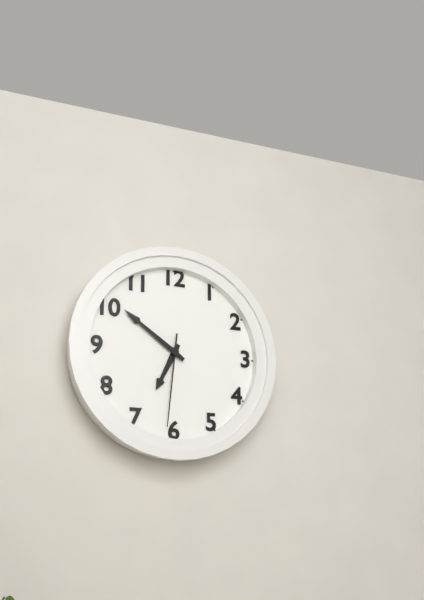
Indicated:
6,51,31
